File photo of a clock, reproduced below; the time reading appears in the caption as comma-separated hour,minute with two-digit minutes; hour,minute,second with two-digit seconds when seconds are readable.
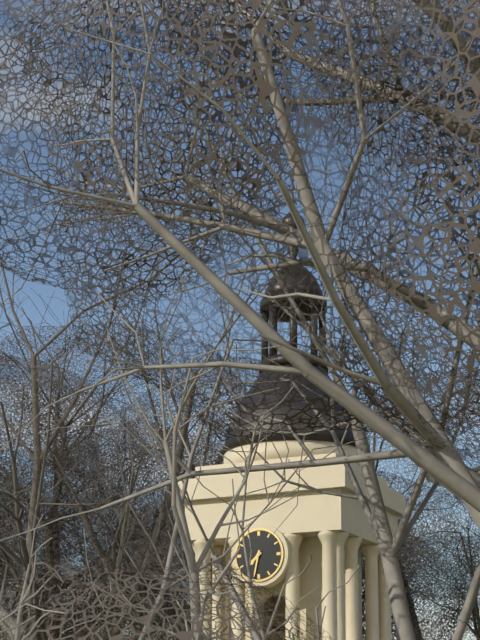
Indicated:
7,32
